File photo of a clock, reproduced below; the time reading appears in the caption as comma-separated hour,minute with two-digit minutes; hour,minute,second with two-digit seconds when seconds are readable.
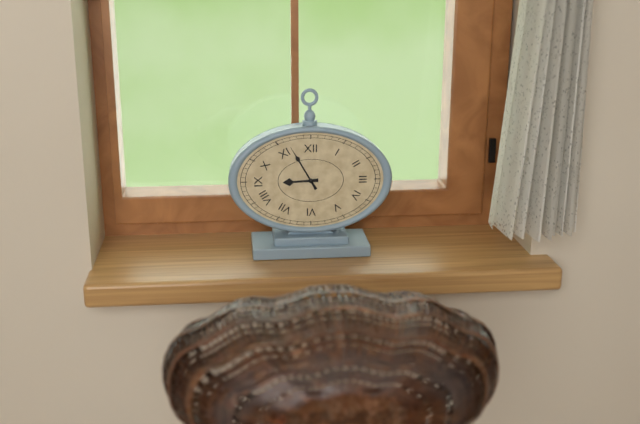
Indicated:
8,55
